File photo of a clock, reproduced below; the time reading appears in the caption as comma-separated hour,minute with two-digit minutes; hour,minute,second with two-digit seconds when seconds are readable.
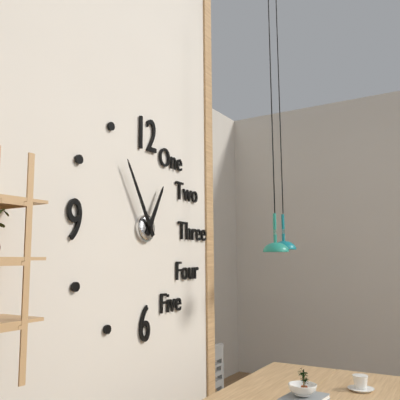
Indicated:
12,55
